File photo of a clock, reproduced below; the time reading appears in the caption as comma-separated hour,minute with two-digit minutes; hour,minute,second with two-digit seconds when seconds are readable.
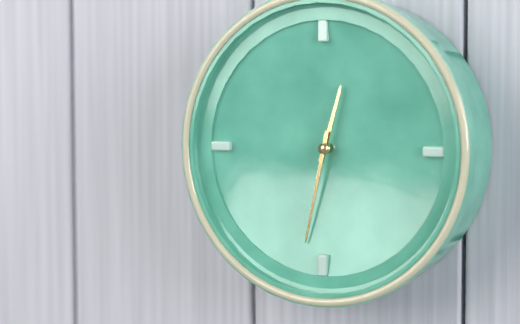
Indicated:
12,32
